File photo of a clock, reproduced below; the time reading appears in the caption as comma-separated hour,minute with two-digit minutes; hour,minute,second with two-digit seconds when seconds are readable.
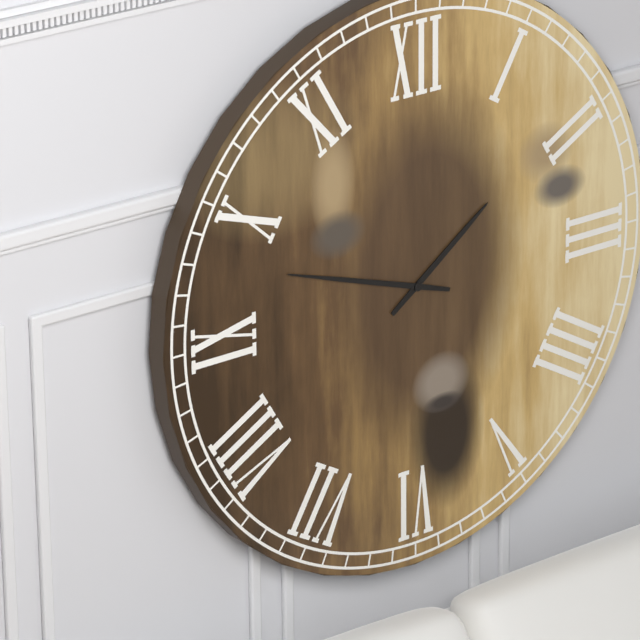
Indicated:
1,48
